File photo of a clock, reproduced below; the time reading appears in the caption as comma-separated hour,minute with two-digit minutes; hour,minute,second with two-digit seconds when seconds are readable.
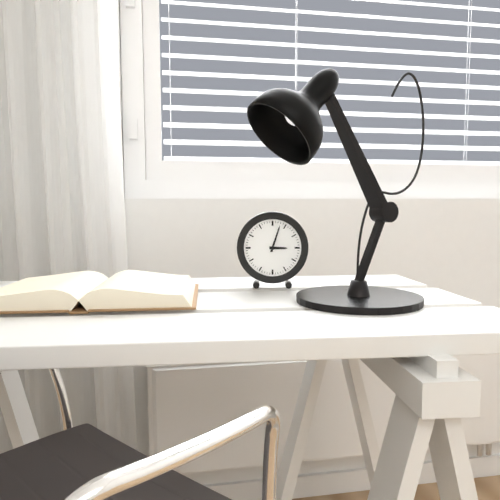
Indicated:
3,03
